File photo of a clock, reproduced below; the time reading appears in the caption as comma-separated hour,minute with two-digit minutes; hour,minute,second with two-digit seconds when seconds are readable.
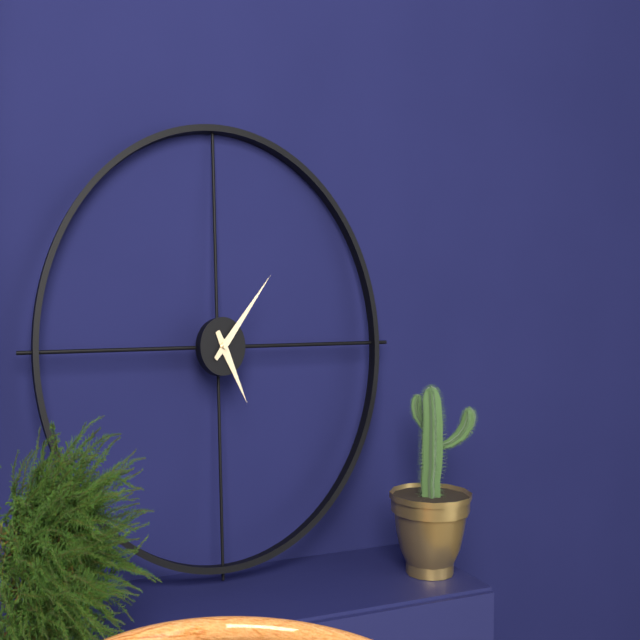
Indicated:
5,07
